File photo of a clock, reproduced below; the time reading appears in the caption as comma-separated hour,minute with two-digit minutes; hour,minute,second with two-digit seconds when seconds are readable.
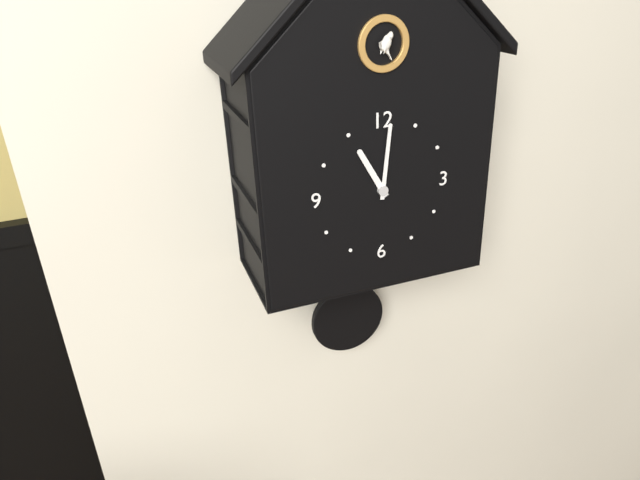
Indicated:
11,01
